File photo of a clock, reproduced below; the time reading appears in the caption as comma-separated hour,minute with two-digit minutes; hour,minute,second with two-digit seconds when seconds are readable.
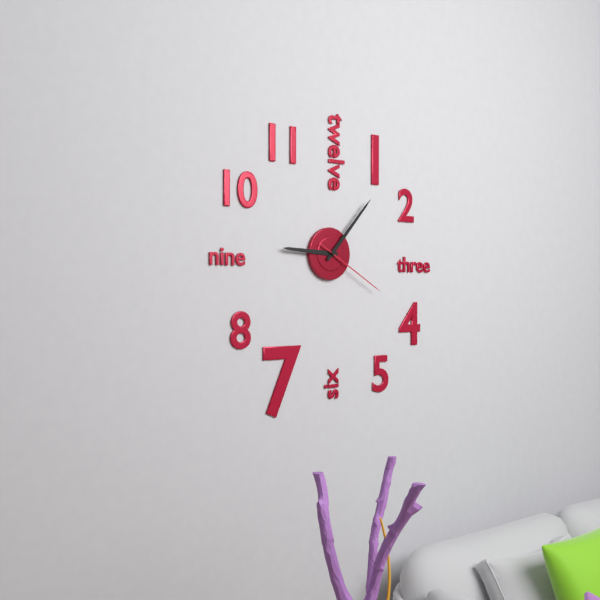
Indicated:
9,07,20
